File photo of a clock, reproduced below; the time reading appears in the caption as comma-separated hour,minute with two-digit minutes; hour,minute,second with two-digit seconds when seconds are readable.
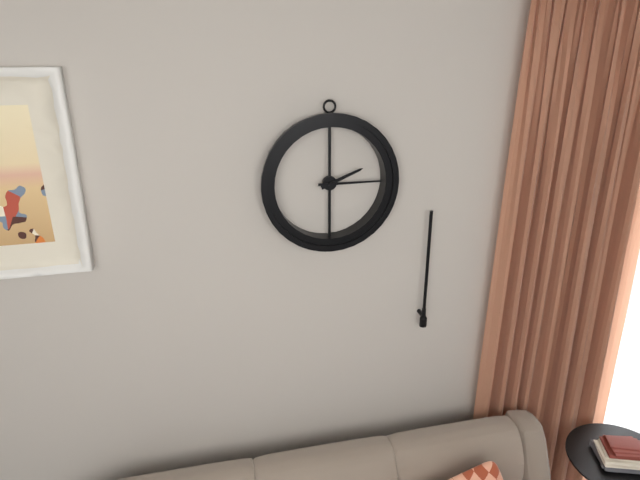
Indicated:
2,15
